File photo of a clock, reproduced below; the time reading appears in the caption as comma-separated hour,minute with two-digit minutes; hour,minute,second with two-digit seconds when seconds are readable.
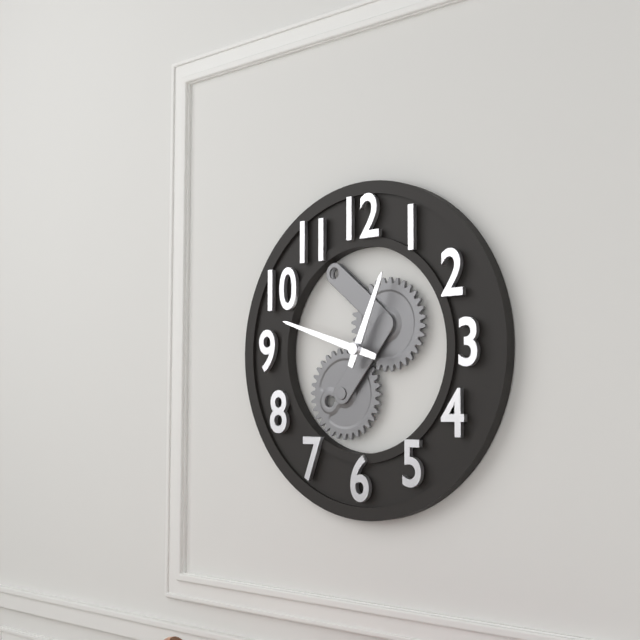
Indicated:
12,48
